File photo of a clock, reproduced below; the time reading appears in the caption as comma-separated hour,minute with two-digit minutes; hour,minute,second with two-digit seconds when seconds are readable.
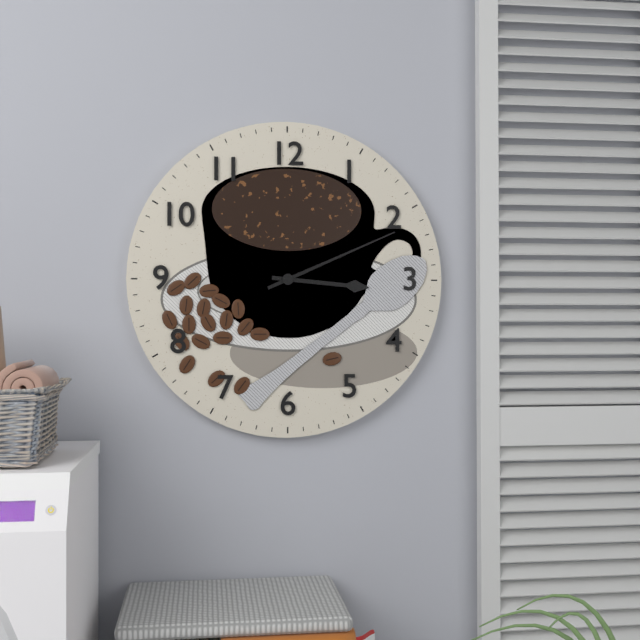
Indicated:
3,11
